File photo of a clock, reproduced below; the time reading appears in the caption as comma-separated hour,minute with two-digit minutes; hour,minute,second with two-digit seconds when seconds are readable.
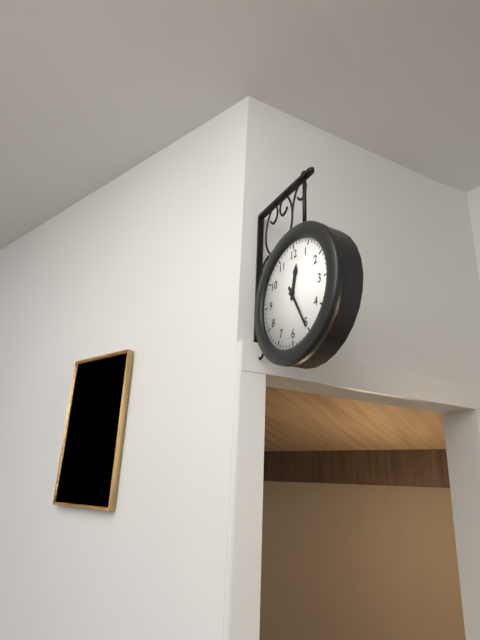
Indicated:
12,25
